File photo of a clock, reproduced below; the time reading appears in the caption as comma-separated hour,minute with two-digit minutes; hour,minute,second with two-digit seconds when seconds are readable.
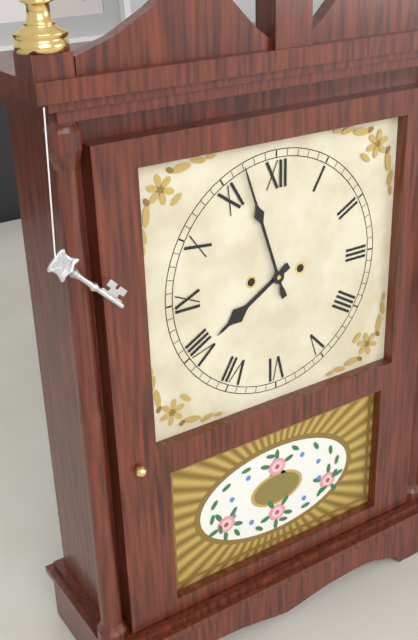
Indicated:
7,57
